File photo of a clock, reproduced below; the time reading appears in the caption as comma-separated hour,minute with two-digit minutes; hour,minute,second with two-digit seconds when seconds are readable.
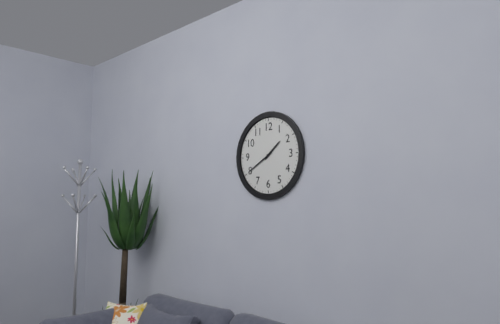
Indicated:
1,40
